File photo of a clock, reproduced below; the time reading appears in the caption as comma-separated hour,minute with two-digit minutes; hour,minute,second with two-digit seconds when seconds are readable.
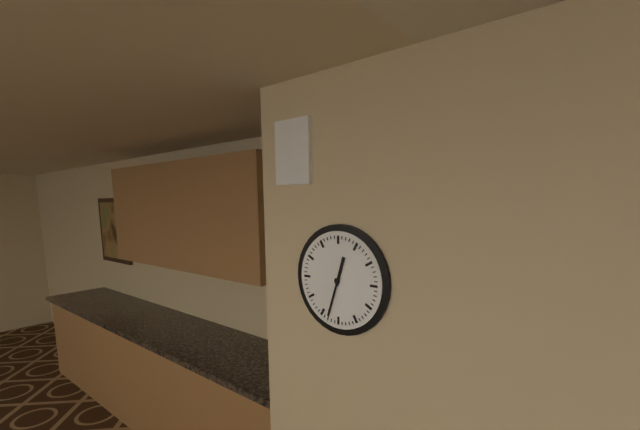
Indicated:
12,33
